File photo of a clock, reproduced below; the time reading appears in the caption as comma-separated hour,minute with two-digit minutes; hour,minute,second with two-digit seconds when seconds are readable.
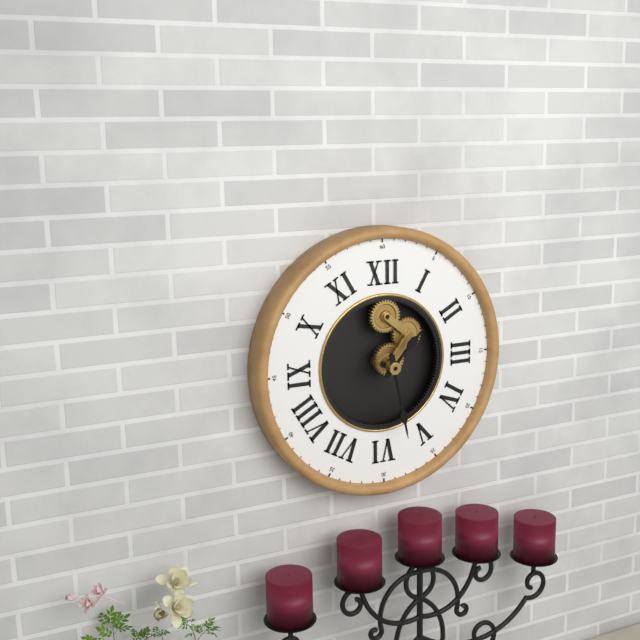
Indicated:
1,28
